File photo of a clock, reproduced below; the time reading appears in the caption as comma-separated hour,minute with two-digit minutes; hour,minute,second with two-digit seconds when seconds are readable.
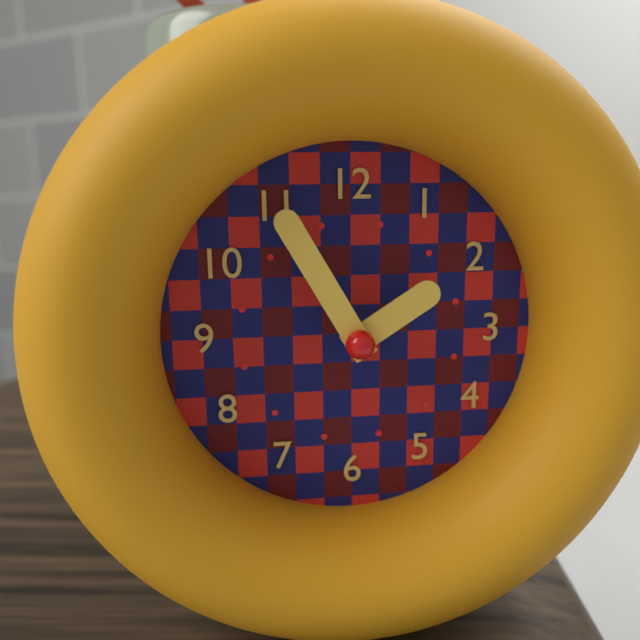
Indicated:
1,55
